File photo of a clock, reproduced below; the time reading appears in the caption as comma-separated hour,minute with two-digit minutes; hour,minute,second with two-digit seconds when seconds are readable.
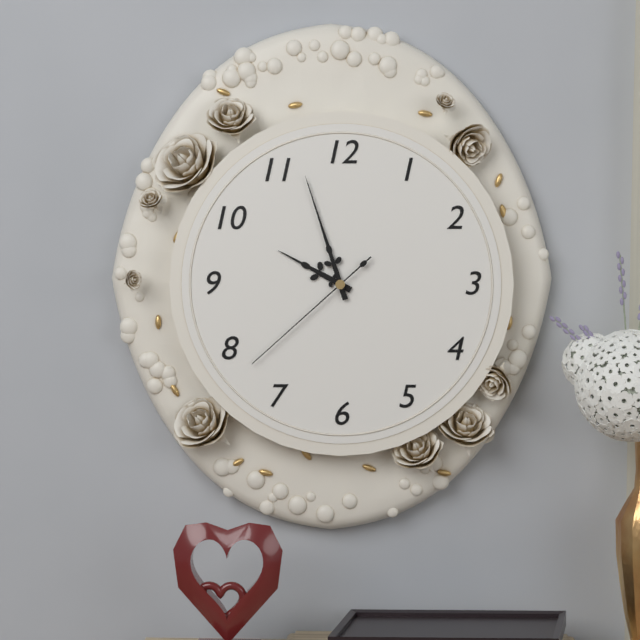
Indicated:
9,57,38
